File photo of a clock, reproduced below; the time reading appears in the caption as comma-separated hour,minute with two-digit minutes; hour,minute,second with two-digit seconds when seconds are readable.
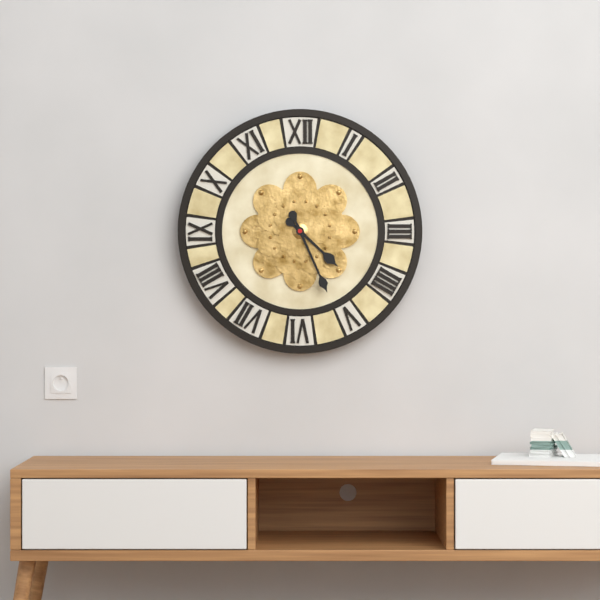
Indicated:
4,26
